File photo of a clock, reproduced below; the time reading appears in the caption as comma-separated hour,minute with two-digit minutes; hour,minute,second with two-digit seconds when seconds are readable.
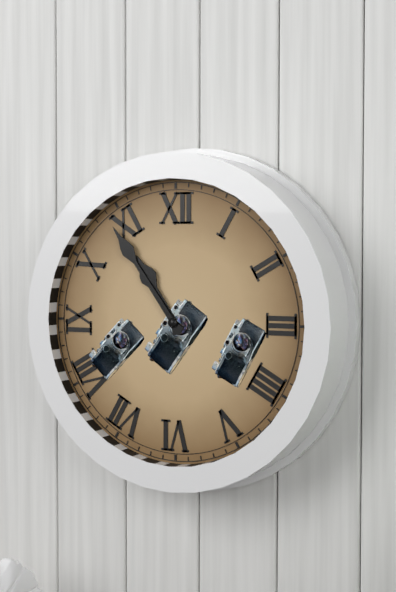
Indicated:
10,54
